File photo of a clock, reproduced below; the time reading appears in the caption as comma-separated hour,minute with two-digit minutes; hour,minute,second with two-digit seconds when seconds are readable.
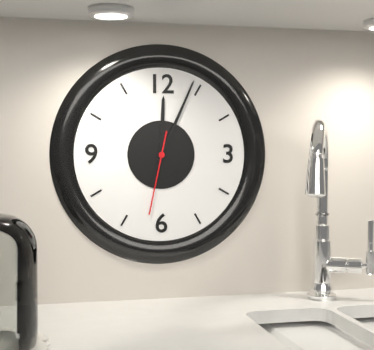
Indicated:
12,04,32
